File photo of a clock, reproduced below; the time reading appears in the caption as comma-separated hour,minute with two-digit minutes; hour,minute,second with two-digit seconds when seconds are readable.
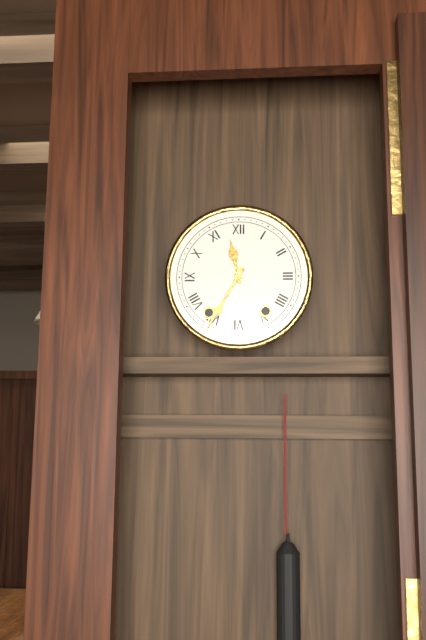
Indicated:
11,35
